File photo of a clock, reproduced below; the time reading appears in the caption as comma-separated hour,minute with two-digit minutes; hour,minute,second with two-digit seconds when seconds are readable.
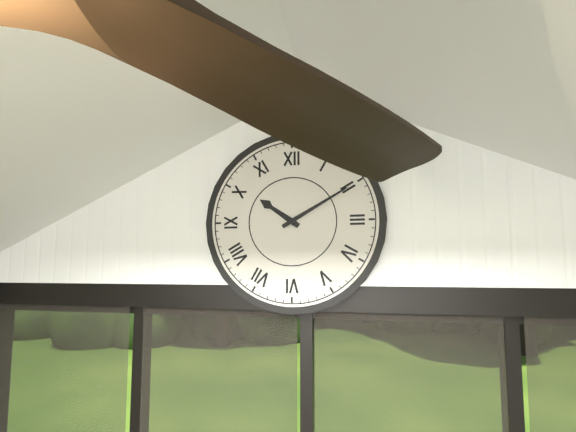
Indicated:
10,10
